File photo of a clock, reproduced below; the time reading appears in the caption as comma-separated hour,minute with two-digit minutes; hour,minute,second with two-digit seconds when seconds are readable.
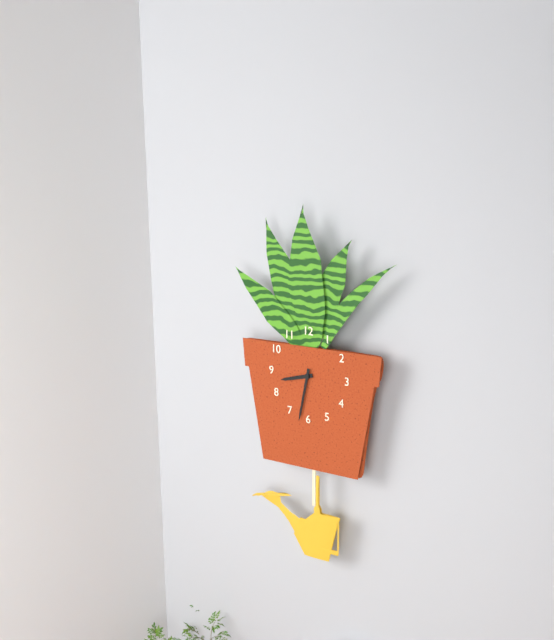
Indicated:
8,32
